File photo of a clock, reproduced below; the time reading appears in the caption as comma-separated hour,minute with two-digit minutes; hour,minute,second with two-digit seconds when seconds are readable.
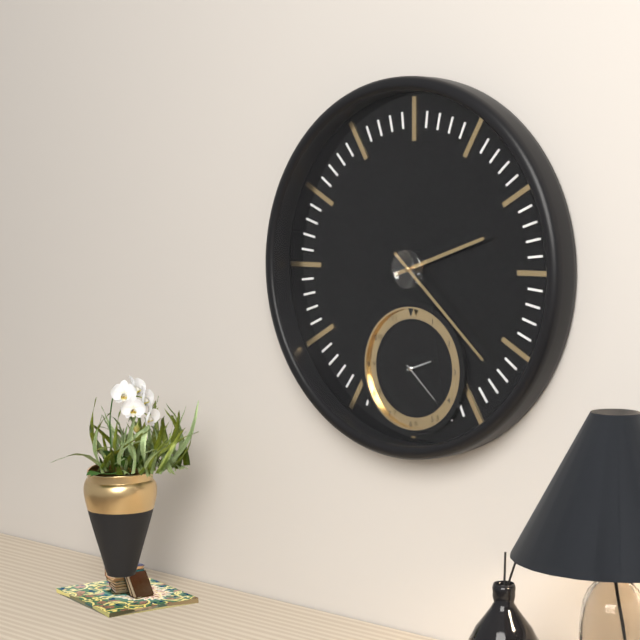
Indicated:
2,22
